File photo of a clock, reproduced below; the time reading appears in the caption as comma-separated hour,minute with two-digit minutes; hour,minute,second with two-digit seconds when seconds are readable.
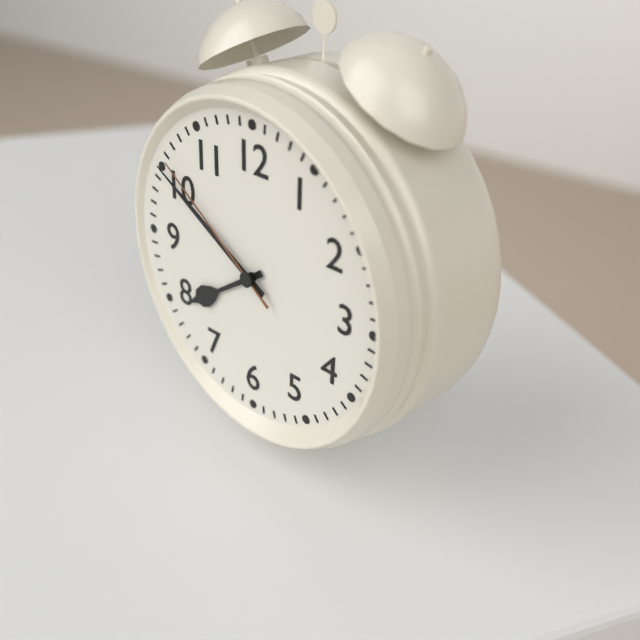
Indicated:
7,50,51
